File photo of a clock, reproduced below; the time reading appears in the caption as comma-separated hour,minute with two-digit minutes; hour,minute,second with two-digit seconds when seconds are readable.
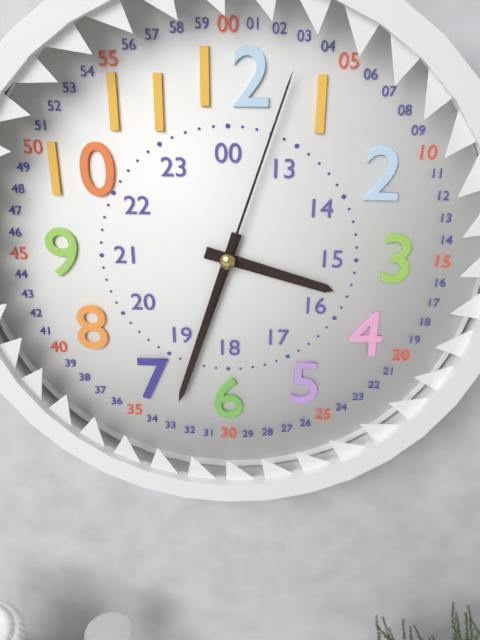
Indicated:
3,33,03
